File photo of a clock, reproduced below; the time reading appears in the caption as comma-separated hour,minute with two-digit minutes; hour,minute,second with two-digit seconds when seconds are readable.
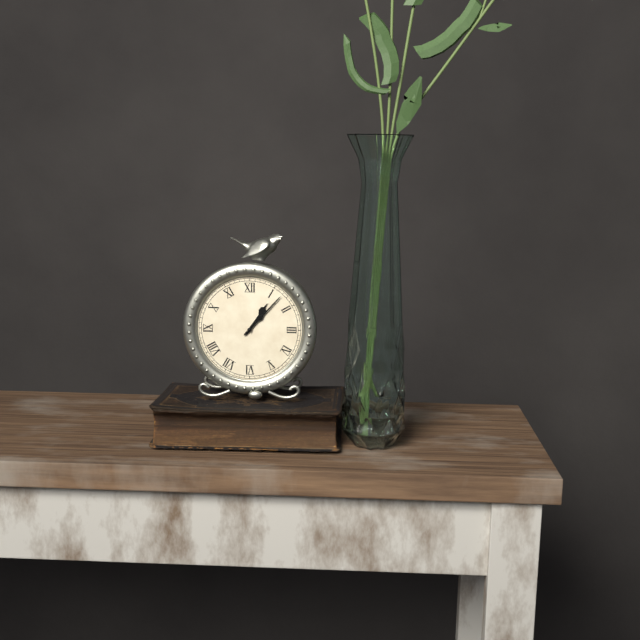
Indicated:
1,07
